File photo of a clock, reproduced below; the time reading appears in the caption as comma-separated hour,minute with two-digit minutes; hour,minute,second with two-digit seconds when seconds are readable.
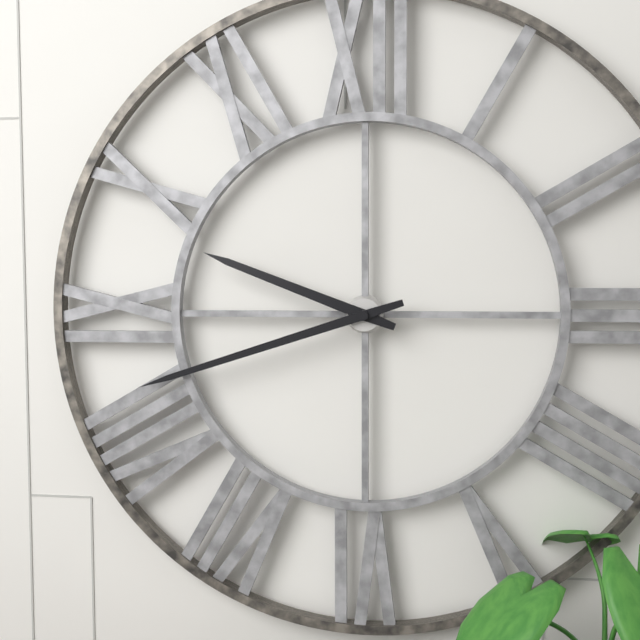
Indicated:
9,42
